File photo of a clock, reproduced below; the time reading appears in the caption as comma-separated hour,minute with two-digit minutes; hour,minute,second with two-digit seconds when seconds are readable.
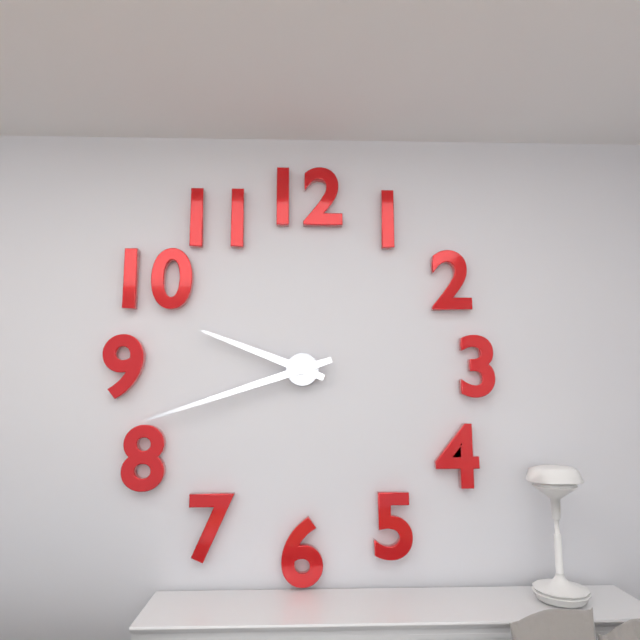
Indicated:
9,42
